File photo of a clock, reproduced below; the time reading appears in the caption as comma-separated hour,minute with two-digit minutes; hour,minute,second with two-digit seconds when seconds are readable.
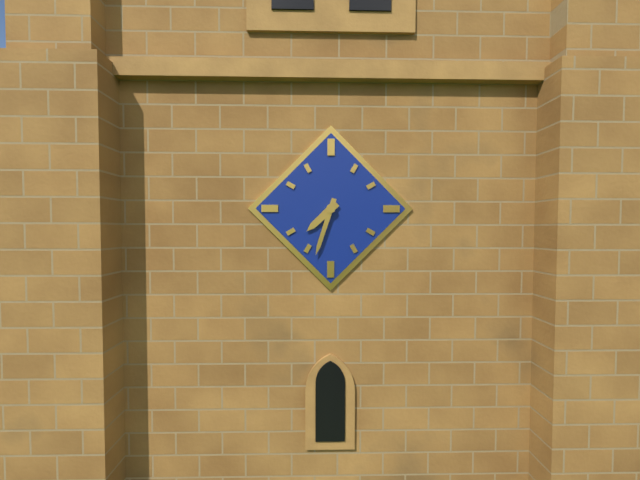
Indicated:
7,33
